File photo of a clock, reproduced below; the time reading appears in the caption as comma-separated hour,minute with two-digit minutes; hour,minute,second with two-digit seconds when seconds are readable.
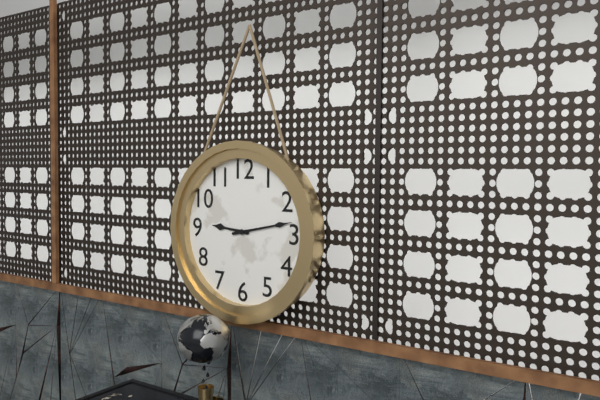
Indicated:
9,13
